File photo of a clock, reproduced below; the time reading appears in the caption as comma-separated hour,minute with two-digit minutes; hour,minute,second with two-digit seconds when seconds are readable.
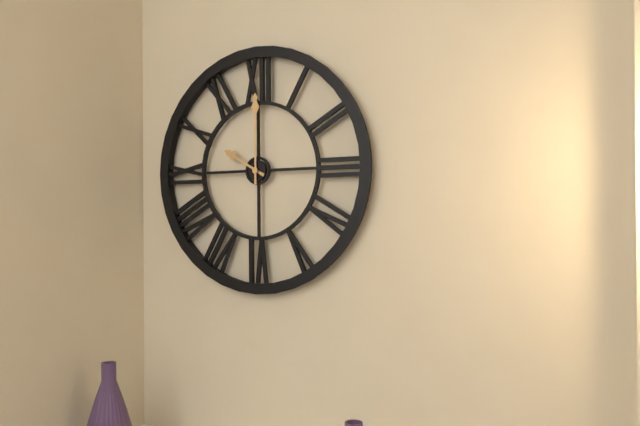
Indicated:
10,00
